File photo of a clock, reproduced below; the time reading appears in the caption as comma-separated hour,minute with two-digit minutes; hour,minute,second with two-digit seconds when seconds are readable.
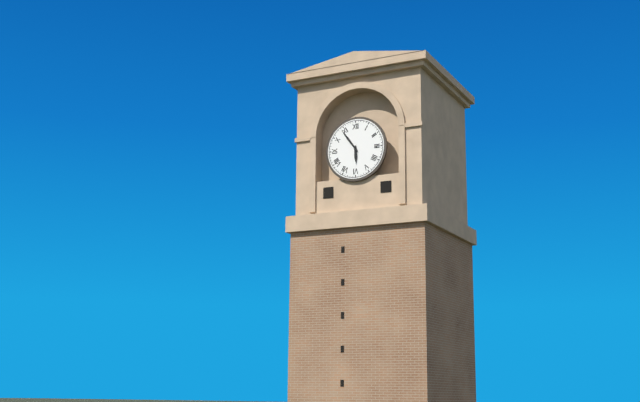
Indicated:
5,54
